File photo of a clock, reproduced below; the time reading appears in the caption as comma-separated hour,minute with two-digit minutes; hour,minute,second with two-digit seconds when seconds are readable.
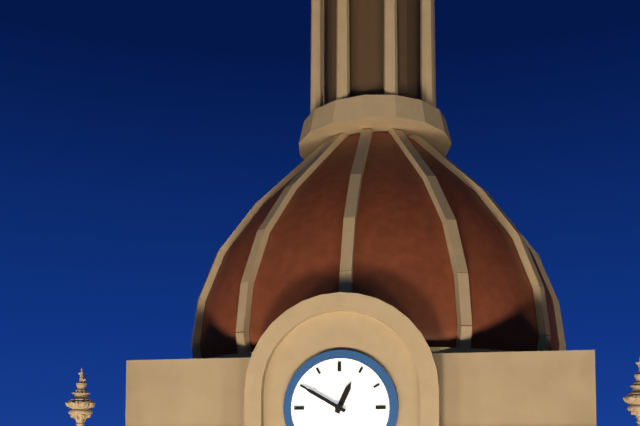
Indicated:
12,50
